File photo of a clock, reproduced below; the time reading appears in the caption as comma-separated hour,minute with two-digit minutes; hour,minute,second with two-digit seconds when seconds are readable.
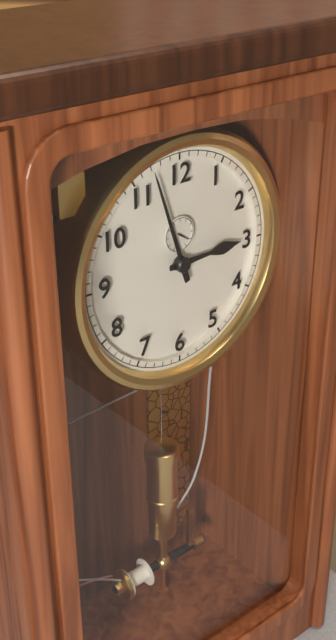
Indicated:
2,57
